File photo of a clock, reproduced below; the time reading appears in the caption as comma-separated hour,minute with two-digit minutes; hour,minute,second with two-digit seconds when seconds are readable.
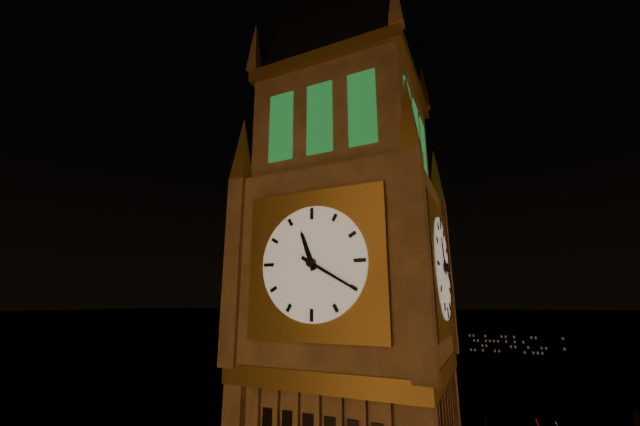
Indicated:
11,20
